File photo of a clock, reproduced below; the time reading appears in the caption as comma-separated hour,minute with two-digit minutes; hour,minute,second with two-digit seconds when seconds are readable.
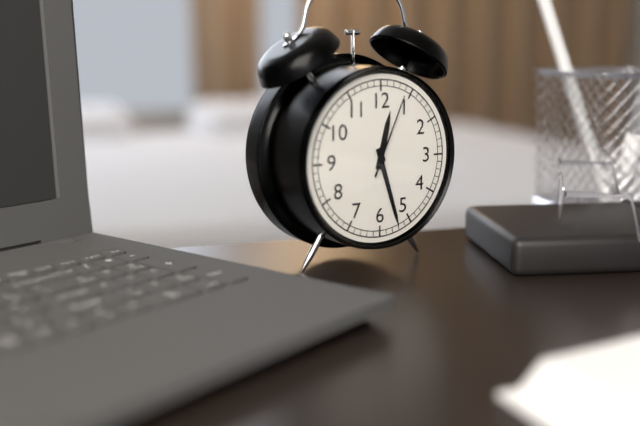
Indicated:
12,27,04
